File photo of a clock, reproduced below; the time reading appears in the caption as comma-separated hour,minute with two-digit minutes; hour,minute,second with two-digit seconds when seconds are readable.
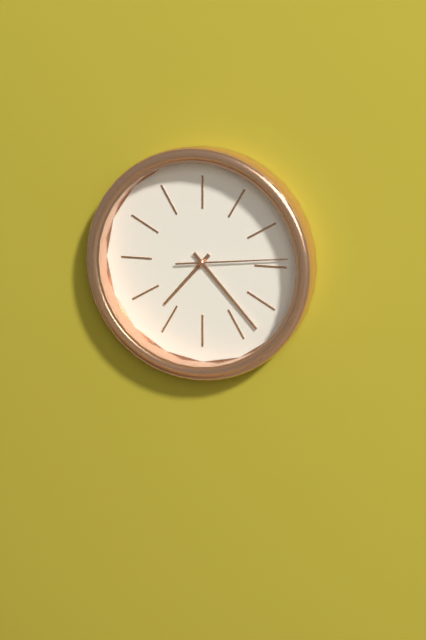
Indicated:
7,23,14
